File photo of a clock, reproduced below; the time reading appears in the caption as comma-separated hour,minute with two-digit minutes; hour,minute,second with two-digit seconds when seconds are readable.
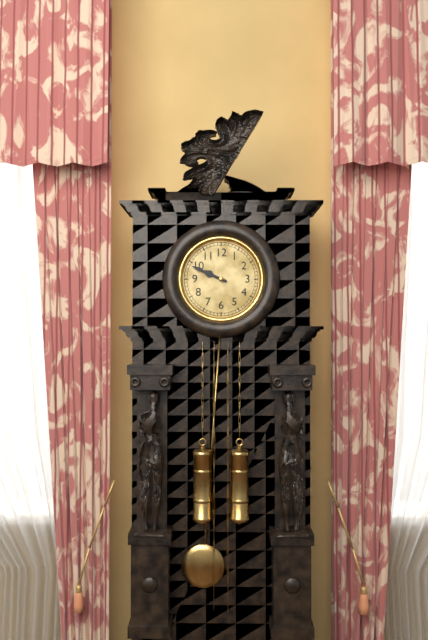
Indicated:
9,49
